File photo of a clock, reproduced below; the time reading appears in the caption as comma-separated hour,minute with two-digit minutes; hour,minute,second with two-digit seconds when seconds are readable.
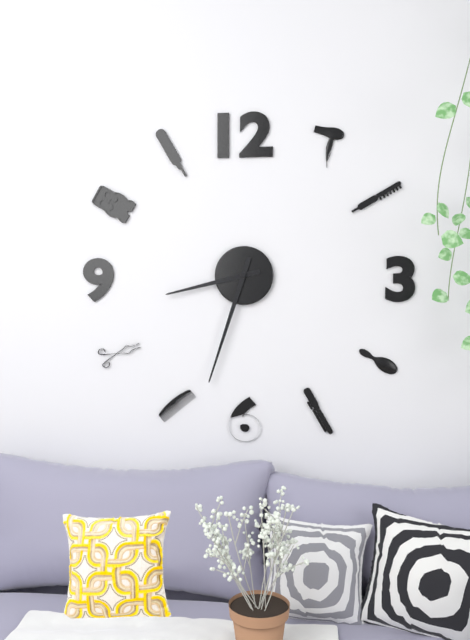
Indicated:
8,33
